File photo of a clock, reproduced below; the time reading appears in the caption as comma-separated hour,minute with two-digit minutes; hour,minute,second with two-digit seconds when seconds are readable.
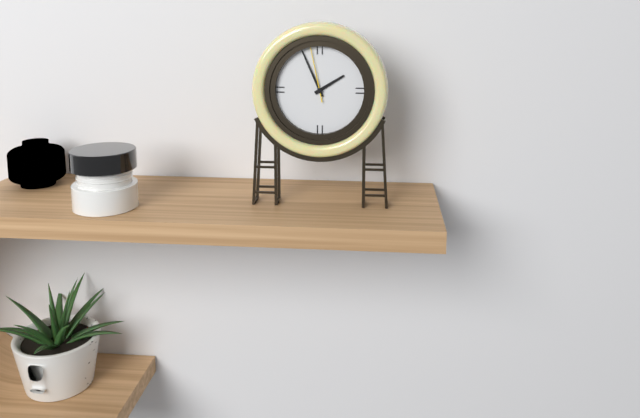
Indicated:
1,56,58
